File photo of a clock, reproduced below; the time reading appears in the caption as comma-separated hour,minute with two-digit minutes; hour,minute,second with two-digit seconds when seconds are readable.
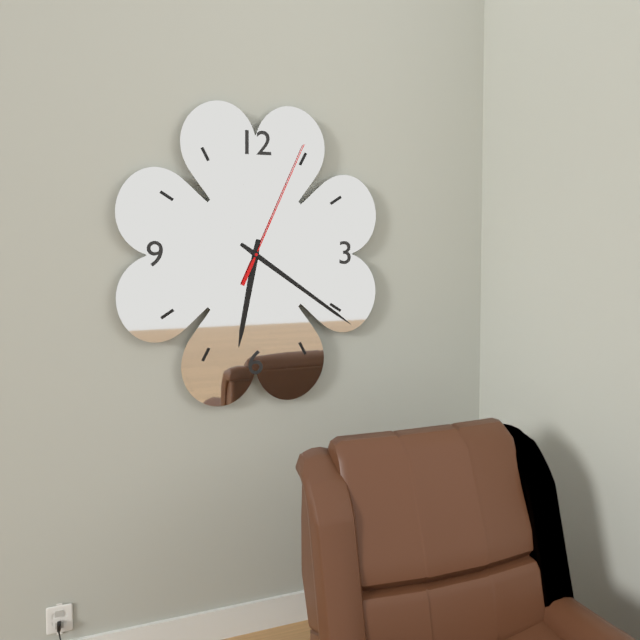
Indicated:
6,21,04
